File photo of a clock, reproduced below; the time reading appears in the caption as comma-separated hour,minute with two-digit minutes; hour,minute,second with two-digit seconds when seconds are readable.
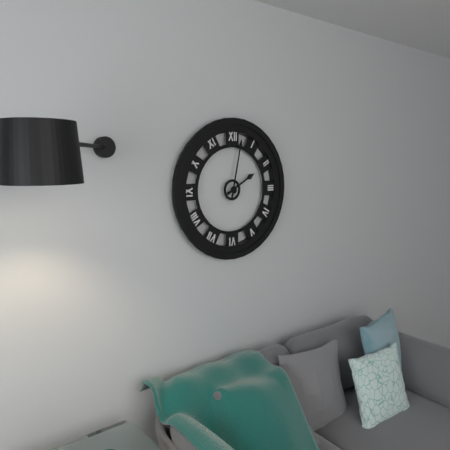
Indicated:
2,02
